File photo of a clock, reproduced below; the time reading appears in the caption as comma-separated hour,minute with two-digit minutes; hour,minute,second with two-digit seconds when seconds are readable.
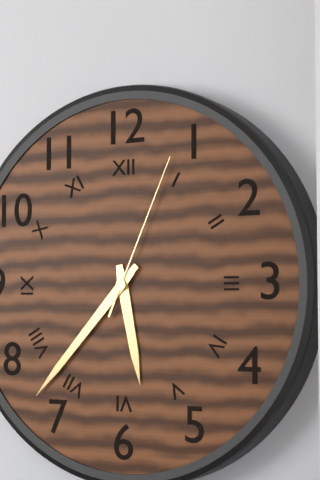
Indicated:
5,37,04
